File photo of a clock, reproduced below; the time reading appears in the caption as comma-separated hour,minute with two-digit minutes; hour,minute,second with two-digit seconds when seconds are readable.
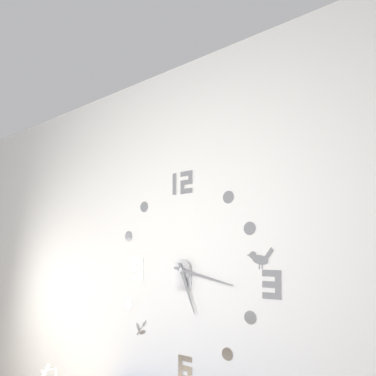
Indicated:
5,17
